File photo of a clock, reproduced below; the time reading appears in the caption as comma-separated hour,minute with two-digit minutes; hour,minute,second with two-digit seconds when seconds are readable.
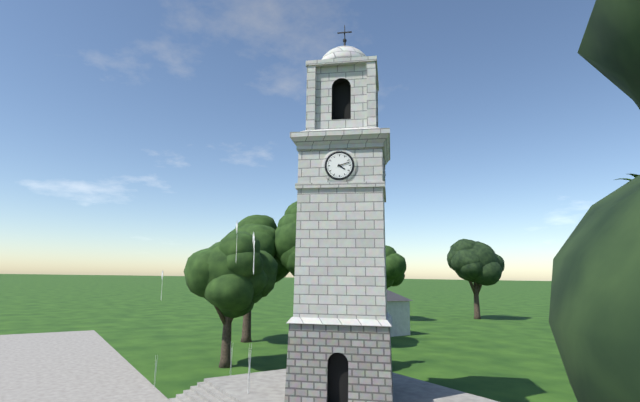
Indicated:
4,12
